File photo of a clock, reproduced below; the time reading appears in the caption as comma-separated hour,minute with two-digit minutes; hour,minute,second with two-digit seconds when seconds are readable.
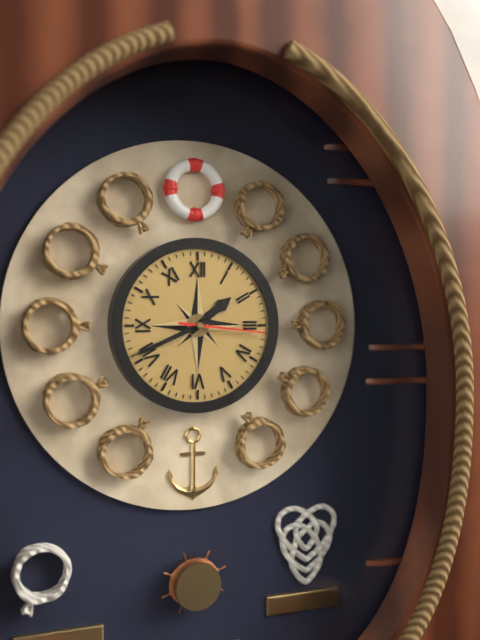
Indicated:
1,41,16
